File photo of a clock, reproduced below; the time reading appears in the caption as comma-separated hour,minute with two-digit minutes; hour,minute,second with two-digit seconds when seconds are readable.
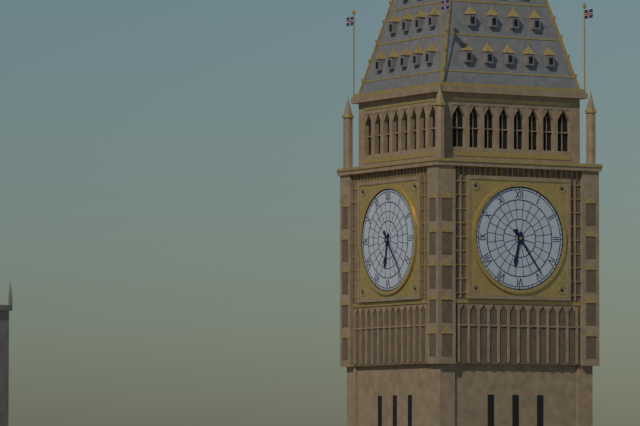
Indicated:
6,24
